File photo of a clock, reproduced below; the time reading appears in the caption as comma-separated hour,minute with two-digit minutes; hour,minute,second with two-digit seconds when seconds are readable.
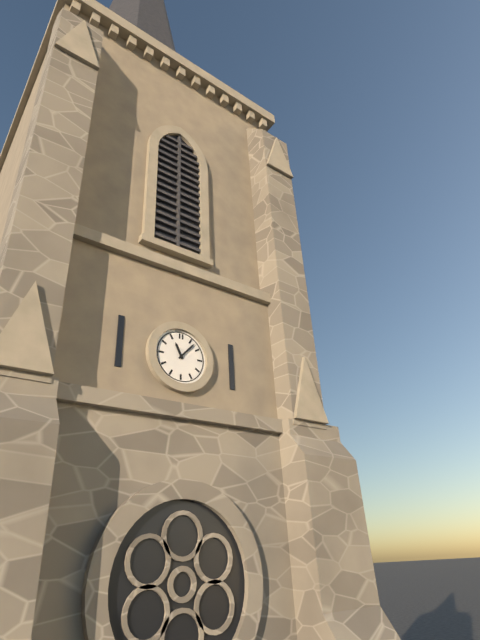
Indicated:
11,07
